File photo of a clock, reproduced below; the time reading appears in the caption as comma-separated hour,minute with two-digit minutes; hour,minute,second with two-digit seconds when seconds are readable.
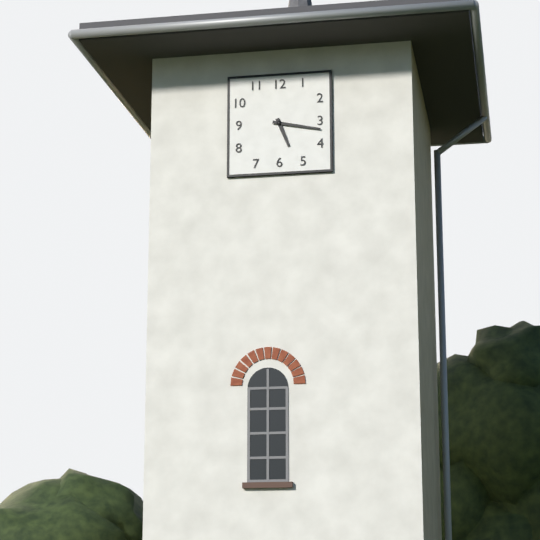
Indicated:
5,17
